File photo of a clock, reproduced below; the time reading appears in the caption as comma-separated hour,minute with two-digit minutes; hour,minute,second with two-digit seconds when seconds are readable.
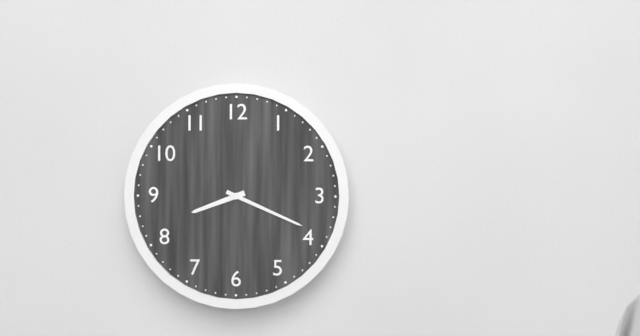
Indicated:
8,19
